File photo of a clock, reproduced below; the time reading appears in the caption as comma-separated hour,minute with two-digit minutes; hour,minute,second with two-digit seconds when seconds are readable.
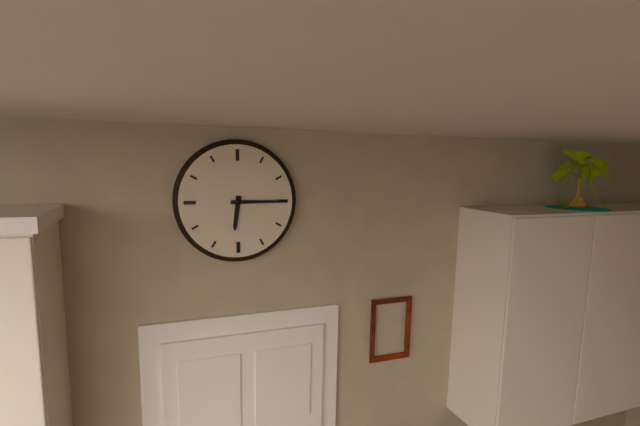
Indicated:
6,15
